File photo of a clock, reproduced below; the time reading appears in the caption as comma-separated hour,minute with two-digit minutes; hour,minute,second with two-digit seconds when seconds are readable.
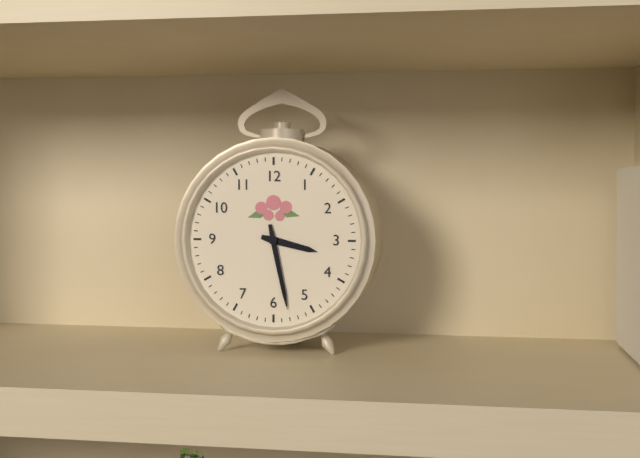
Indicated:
3,28
